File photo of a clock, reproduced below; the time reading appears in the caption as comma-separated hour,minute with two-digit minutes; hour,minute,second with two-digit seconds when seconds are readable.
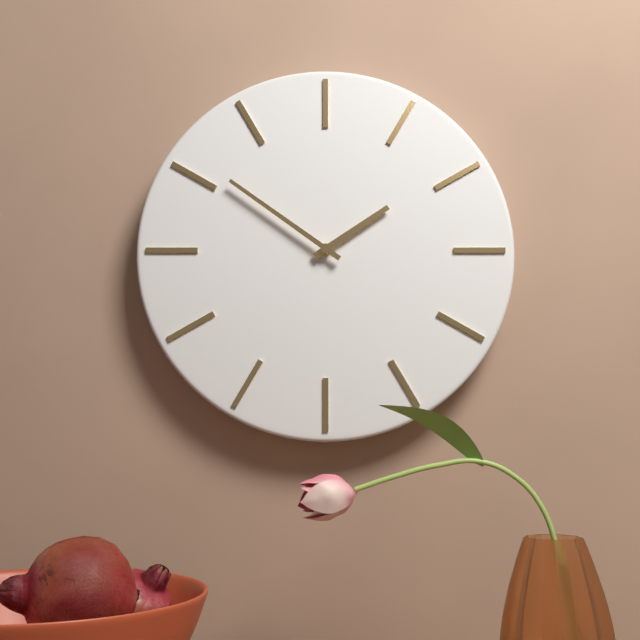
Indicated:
1,51
